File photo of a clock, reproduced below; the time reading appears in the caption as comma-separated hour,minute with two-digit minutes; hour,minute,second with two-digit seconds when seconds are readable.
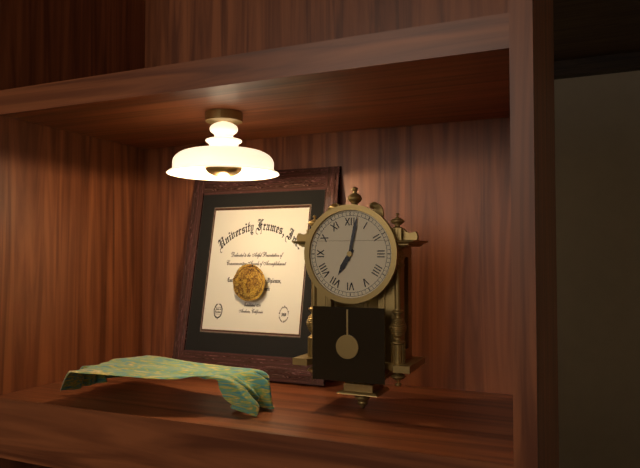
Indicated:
7,02
